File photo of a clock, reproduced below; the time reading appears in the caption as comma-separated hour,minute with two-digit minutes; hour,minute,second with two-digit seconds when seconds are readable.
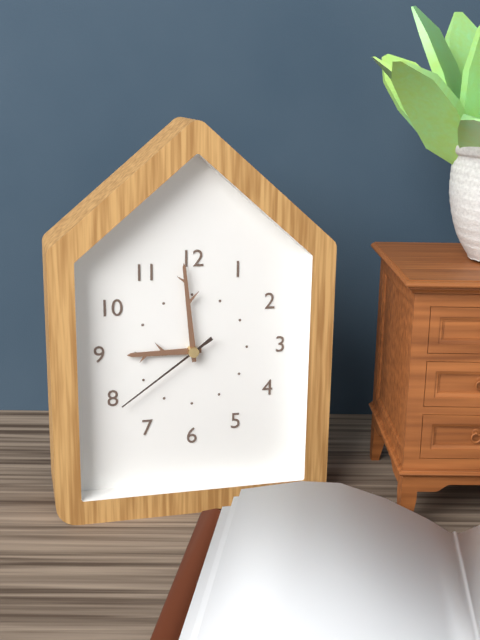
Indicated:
8,59,39
